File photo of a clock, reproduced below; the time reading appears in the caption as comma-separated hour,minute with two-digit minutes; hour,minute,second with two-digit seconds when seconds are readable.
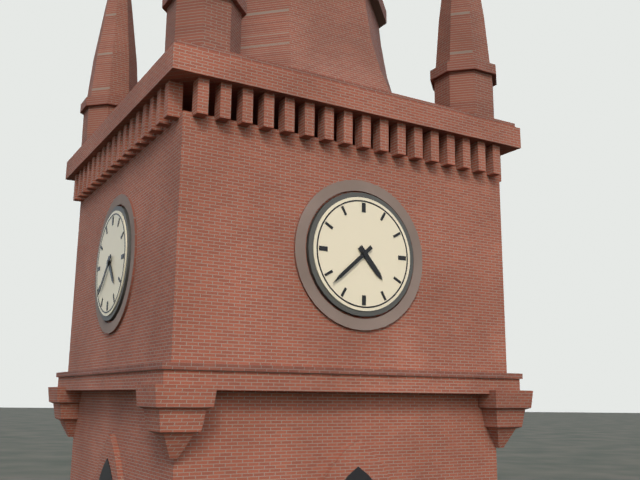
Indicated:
4,38
